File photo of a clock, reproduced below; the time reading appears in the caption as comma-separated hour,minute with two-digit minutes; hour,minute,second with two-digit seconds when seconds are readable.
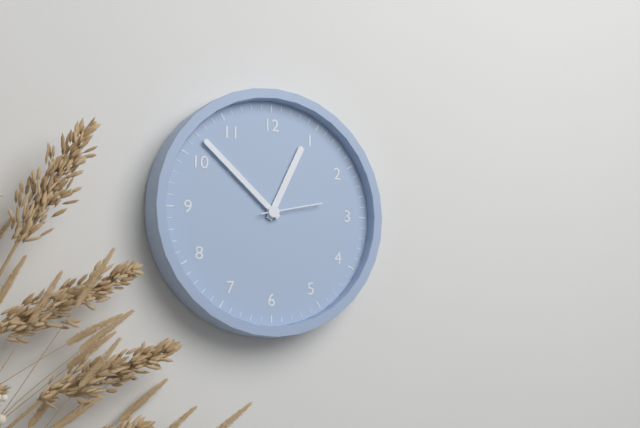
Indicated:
12,52,13
